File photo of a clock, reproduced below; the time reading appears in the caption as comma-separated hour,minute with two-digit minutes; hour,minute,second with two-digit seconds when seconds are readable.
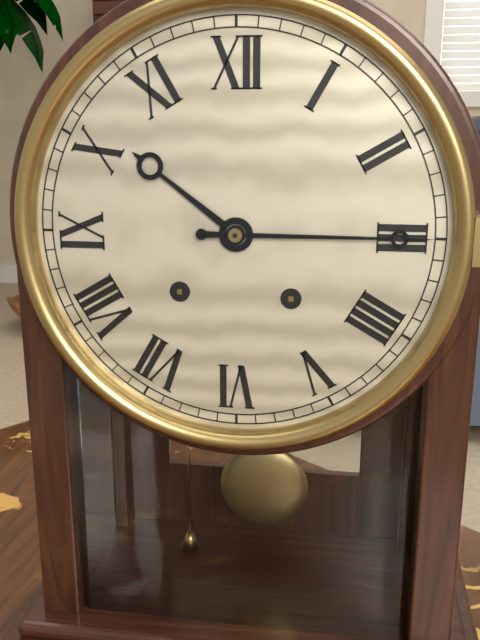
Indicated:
10,15
